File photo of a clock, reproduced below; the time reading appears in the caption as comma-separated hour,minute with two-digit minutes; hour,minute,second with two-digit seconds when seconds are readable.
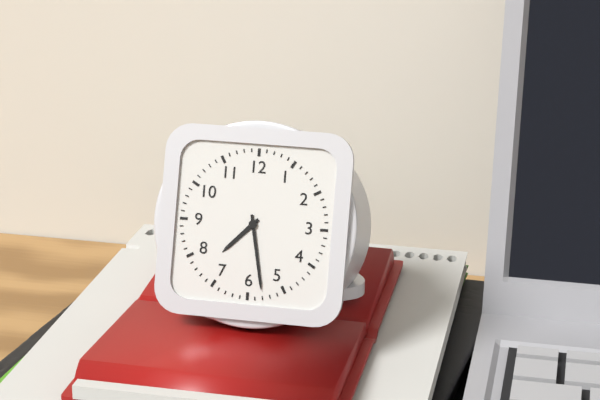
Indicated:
7,28
